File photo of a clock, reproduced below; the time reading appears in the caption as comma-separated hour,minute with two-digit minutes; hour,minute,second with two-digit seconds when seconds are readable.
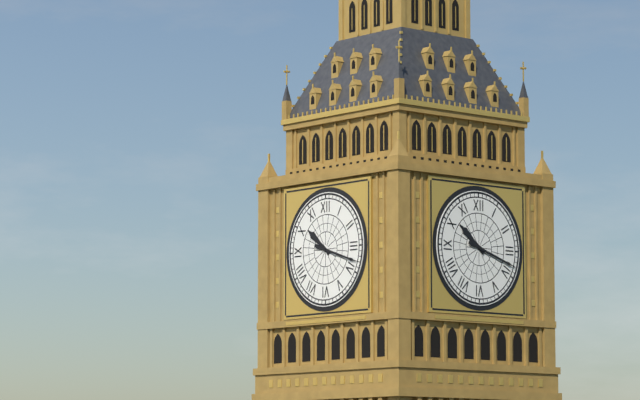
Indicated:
10,18
